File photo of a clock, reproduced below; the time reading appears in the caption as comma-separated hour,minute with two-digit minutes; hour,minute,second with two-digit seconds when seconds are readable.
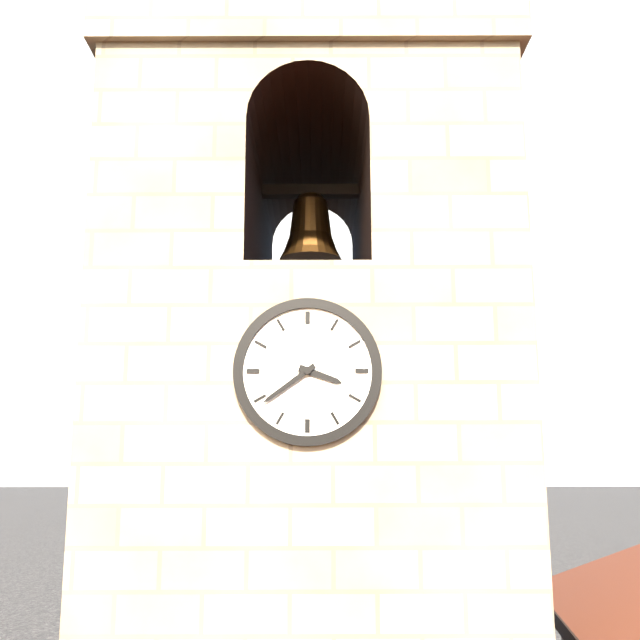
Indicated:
3,39
